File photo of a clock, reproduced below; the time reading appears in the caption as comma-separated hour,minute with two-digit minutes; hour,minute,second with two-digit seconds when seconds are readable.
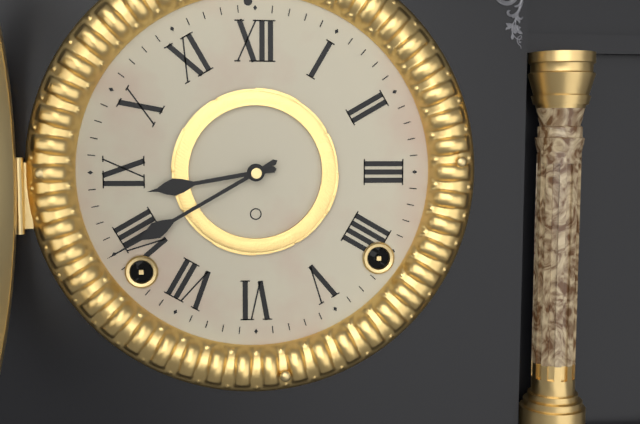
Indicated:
8,40
